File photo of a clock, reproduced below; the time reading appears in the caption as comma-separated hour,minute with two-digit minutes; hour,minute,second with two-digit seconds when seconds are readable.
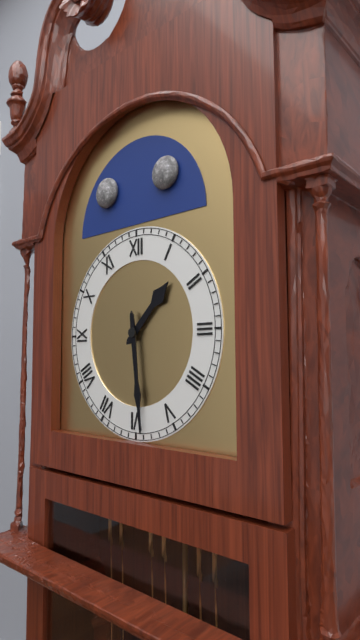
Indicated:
1,29
